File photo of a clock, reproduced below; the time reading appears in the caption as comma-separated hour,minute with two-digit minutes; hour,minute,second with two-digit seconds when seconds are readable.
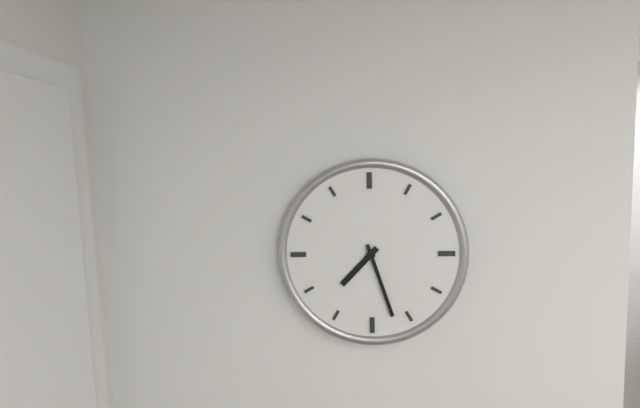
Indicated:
7,27
